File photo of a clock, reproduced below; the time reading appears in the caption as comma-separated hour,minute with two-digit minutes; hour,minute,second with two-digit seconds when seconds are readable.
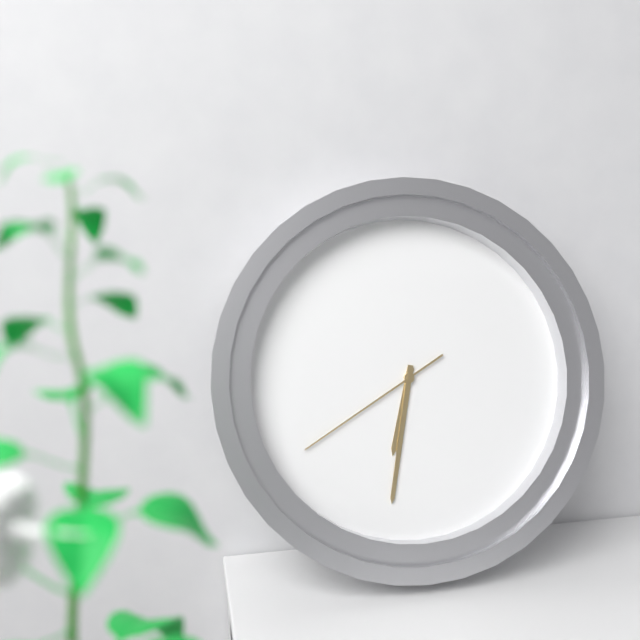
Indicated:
6,32,40
